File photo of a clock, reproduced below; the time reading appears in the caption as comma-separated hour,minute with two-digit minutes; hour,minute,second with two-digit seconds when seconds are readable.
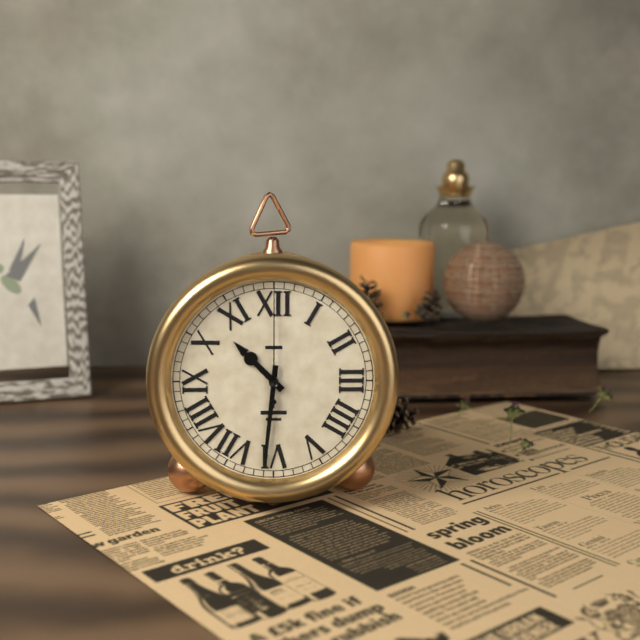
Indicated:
10,31,00
